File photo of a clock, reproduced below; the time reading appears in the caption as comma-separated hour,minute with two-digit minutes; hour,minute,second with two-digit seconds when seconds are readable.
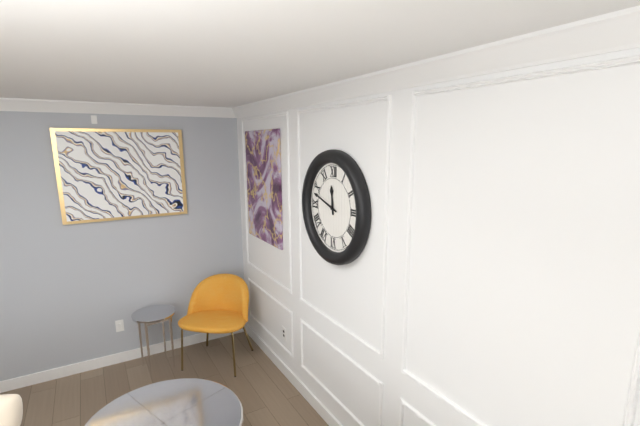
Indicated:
11,48
